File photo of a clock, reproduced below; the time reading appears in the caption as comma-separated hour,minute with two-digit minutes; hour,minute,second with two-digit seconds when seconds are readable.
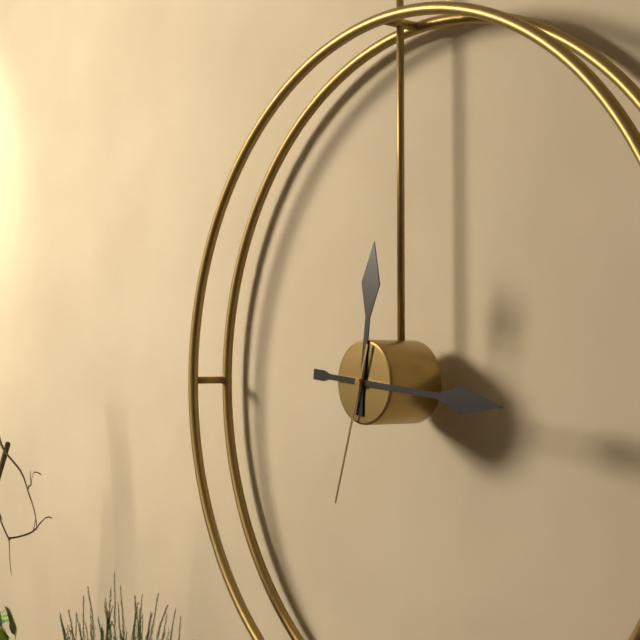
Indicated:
12,16,33
